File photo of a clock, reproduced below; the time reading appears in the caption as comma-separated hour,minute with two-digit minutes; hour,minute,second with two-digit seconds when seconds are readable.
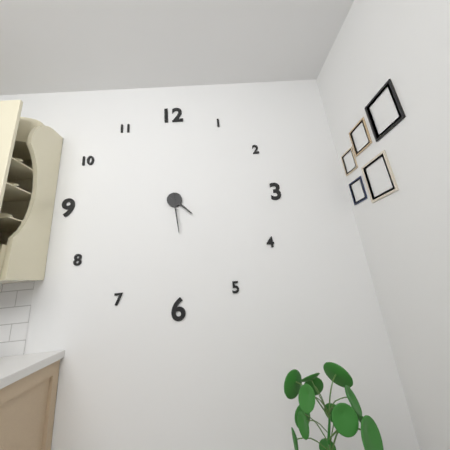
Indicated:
4,29
